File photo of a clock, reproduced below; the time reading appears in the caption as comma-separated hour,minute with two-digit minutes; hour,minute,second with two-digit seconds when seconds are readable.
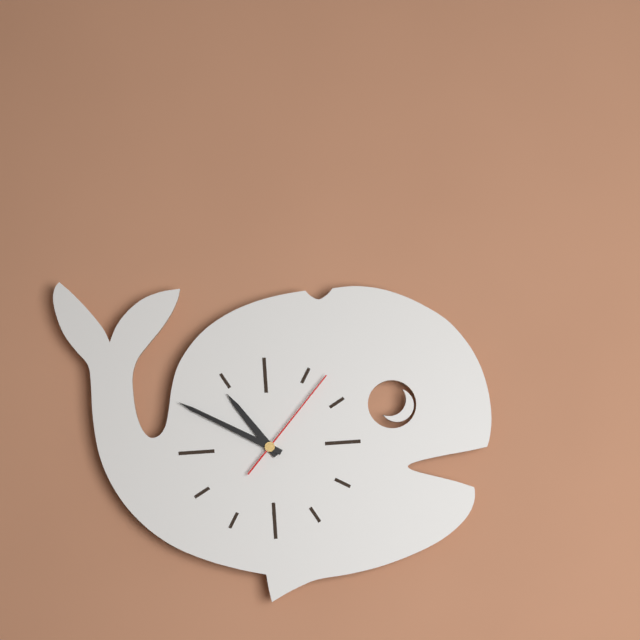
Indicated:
10,50,07
